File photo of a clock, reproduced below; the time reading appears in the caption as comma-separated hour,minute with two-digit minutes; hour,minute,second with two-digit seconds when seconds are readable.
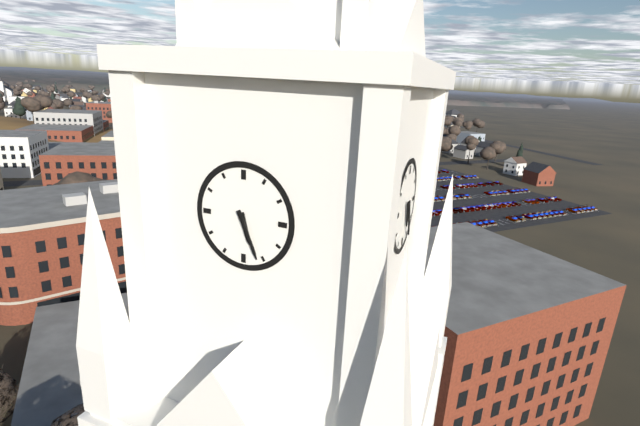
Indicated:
5,26
